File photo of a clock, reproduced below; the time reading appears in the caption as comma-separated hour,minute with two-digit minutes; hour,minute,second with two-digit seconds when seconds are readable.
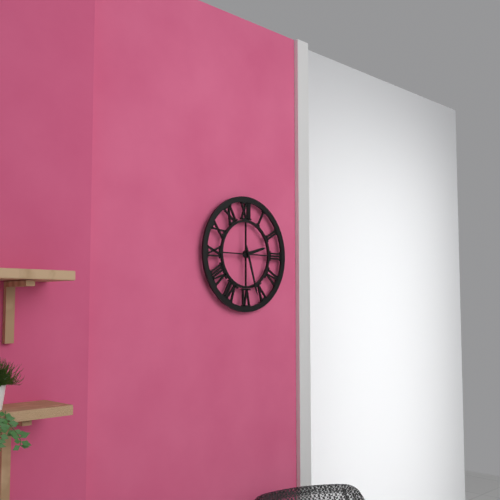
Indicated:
2,27
